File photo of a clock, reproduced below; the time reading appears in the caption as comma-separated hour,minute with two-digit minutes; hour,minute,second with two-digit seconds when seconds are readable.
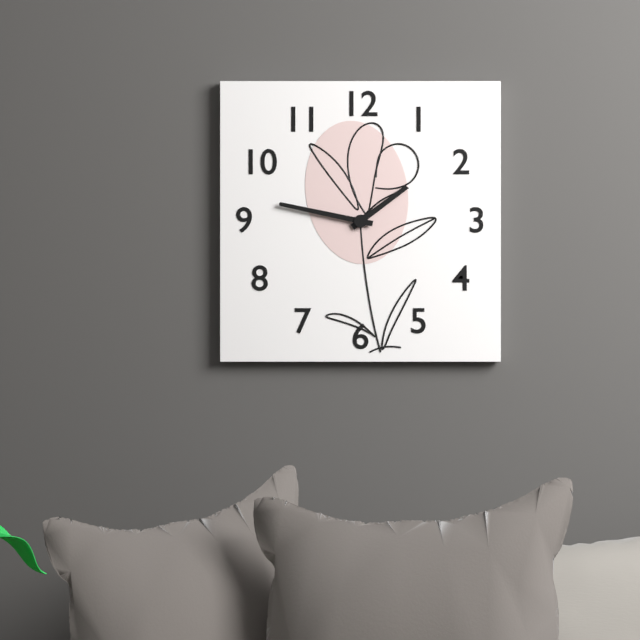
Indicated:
1,47
